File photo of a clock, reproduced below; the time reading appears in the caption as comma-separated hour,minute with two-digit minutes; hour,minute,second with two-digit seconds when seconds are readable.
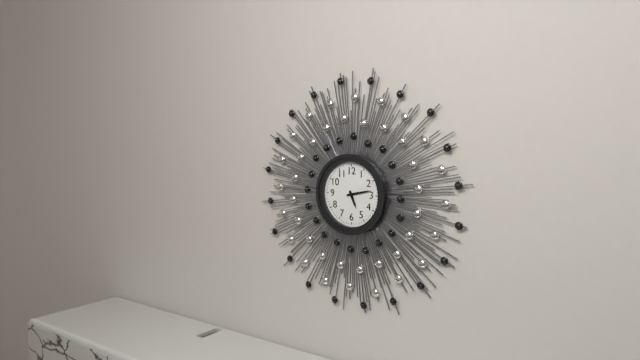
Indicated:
5,13
